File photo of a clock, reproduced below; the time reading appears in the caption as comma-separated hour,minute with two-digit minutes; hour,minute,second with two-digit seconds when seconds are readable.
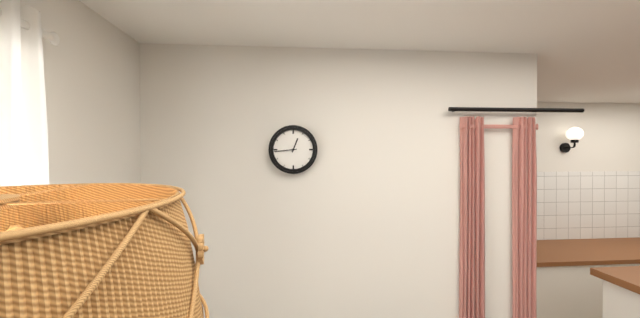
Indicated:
12,44
